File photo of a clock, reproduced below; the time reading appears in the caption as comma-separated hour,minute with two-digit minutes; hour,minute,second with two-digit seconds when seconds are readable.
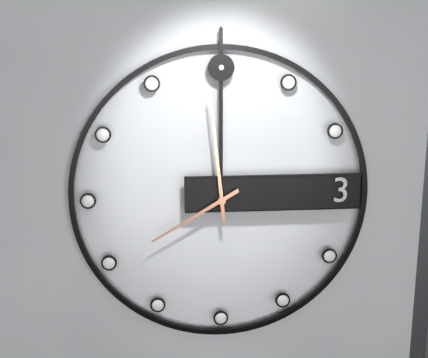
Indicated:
7,59
